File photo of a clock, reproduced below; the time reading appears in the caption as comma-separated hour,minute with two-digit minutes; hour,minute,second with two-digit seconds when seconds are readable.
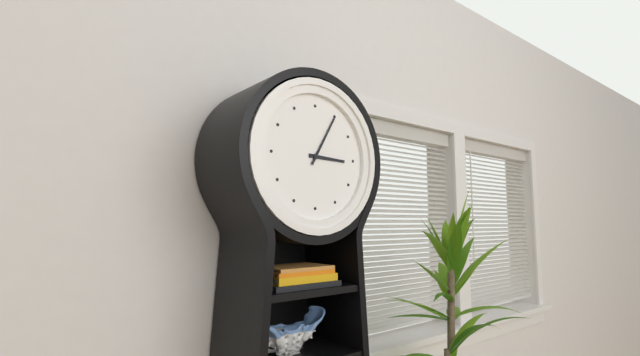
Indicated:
3,05
